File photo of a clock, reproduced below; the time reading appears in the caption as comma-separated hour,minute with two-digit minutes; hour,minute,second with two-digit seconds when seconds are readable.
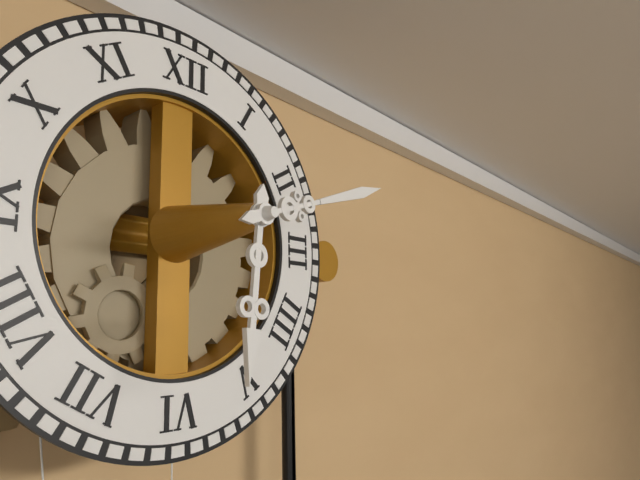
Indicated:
6,12
